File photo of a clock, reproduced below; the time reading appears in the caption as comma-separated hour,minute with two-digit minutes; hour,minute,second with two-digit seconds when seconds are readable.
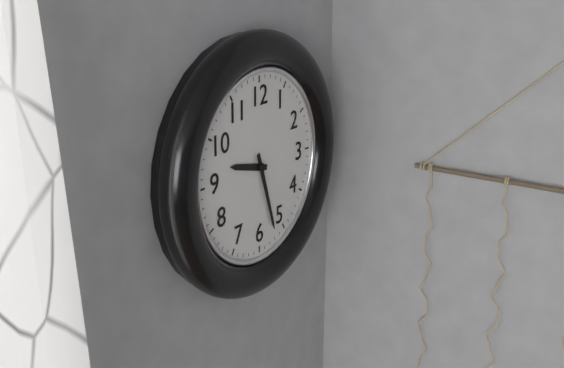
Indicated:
9,27
